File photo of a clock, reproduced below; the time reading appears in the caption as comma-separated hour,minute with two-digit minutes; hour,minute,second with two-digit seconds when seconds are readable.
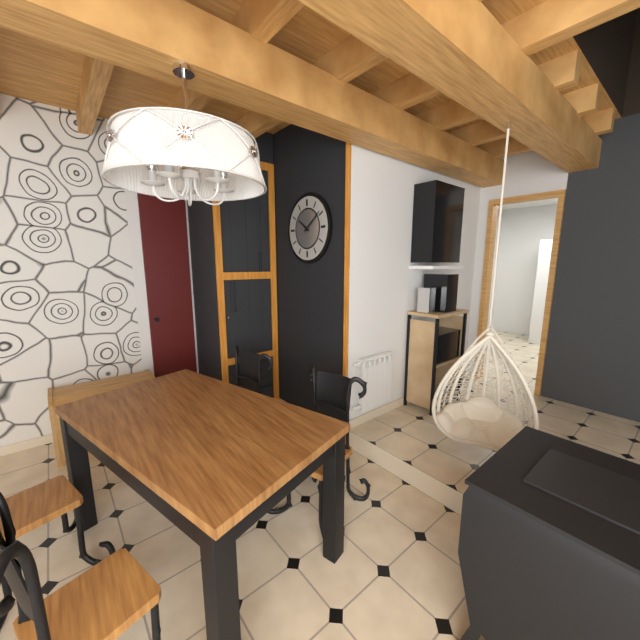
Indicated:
10,09
